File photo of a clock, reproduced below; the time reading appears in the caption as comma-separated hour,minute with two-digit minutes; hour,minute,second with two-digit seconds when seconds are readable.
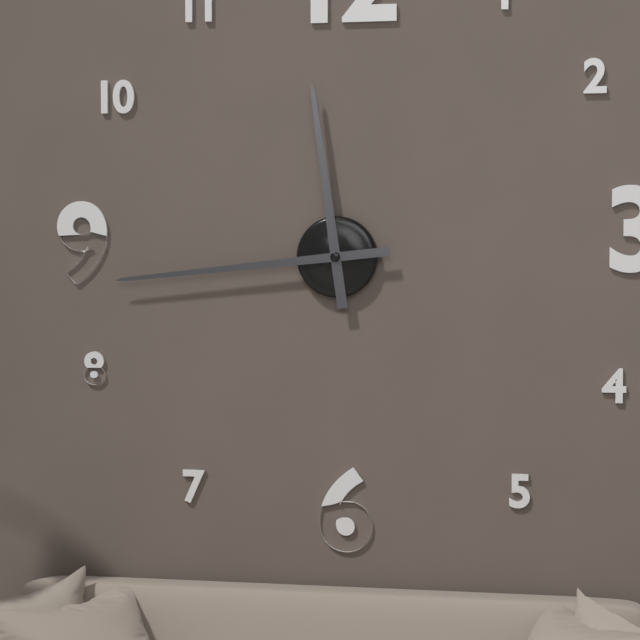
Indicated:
11,44
